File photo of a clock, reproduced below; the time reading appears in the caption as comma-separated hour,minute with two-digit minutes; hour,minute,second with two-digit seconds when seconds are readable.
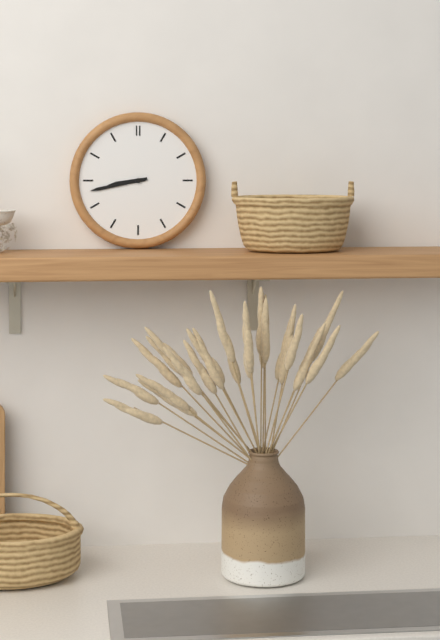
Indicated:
8,43
